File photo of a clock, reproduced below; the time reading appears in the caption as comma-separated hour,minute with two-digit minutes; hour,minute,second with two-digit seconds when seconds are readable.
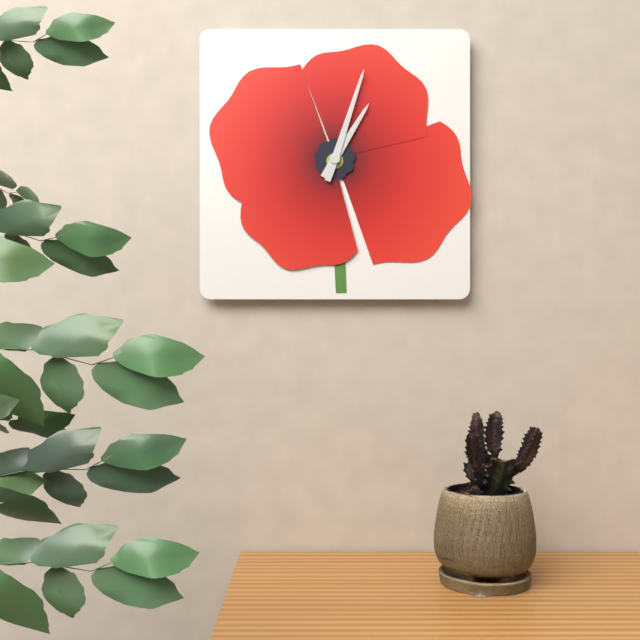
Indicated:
1,03
